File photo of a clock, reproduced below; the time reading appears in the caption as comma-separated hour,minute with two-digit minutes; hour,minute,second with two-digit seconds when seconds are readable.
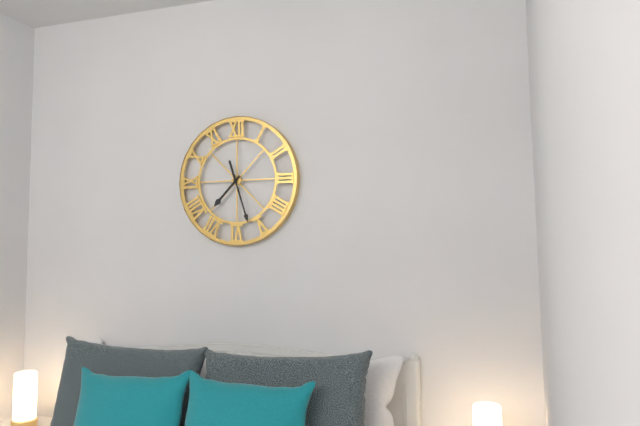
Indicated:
7,27
